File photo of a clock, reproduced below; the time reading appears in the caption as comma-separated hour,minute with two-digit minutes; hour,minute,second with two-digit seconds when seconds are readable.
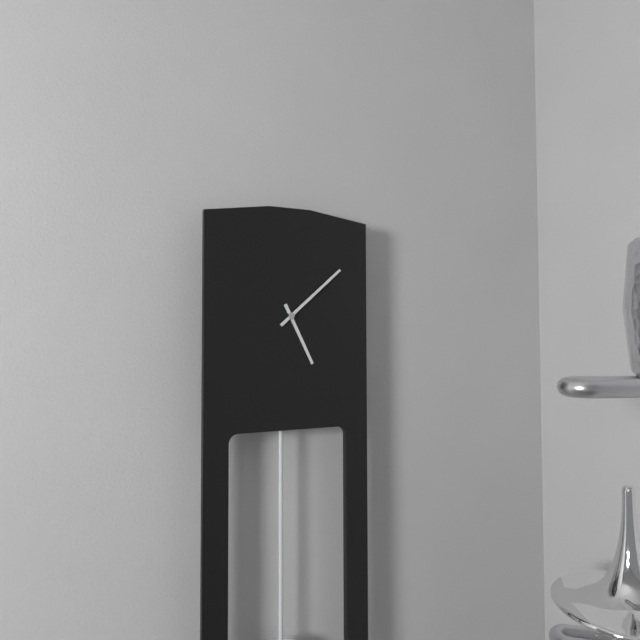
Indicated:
5,08
